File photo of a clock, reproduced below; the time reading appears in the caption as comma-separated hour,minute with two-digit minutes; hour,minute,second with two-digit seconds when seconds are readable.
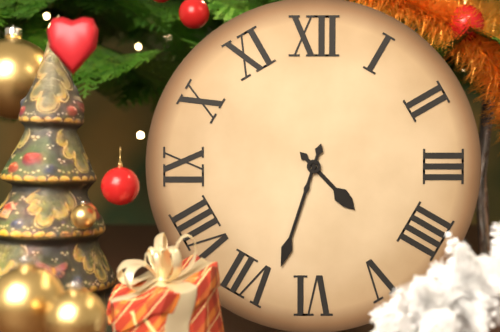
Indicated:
4,33
